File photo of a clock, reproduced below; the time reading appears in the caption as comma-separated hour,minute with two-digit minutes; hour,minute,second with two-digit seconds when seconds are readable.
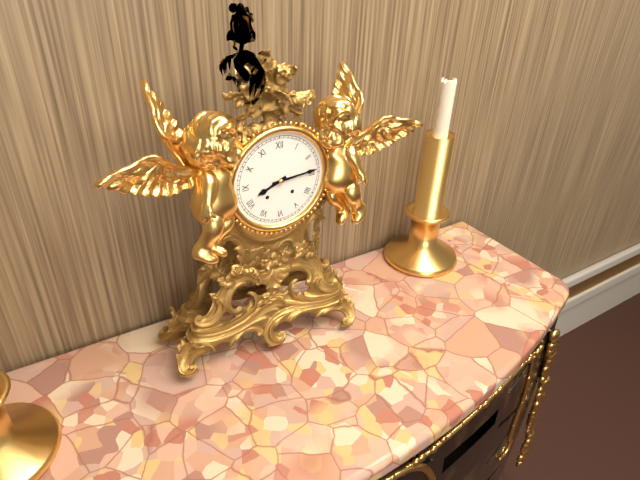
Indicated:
8,14
